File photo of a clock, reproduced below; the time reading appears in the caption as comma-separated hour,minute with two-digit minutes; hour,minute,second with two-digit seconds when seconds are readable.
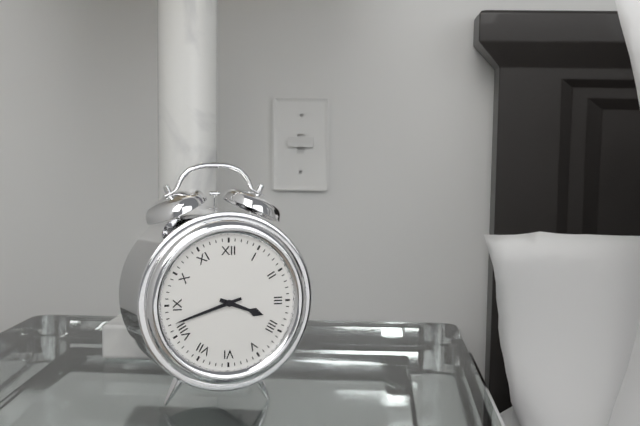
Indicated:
3,42
